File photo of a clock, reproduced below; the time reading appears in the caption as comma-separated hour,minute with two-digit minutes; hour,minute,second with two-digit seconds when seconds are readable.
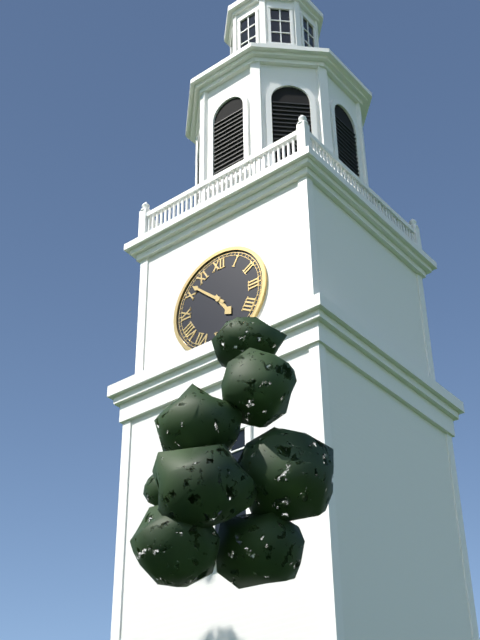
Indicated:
4,52
